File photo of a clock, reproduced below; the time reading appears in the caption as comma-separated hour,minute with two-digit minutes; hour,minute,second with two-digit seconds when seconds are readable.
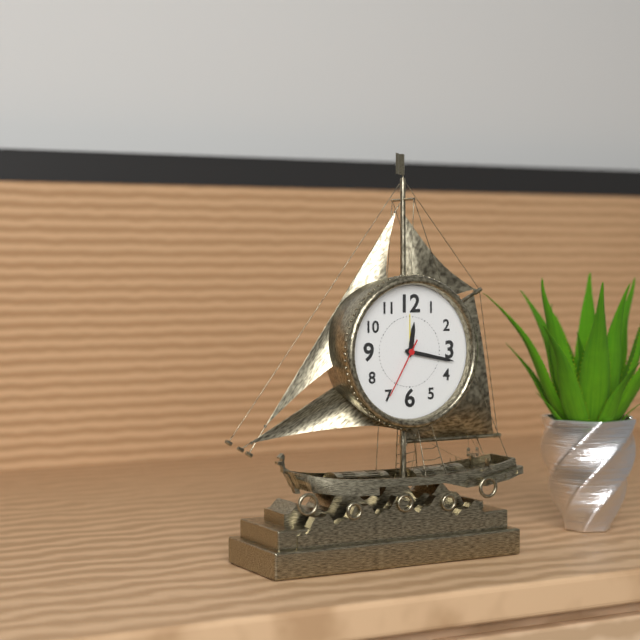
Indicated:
12,17,35
